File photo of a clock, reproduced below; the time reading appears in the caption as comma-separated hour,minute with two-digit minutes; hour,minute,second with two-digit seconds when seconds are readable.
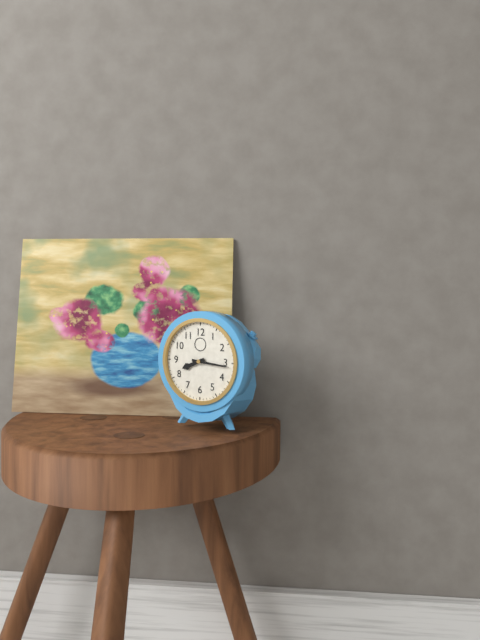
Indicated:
8,16
